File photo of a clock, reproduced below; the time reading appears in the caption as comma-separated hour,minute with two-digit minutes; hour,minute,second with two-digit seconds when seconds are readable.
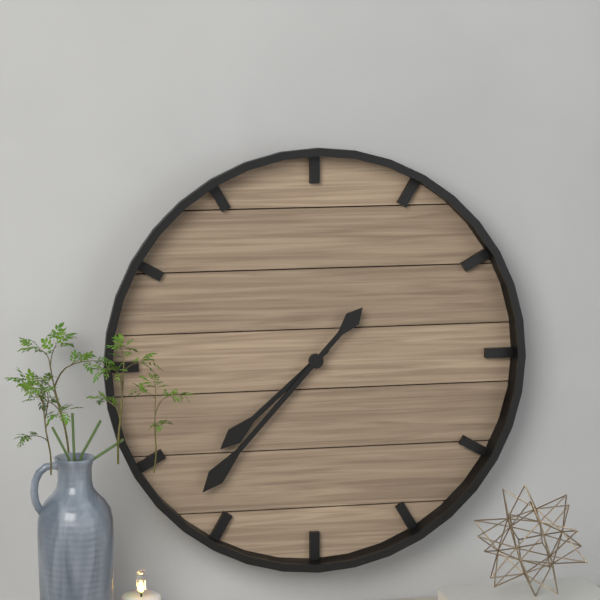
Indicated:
7,37
